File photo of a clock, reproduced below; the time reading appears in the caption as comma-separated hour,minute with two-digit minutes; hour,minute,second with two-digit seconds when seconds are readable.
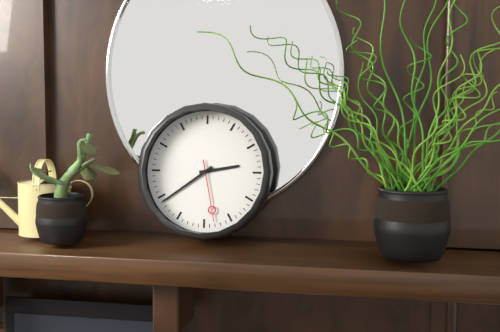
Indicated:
2,39,28
